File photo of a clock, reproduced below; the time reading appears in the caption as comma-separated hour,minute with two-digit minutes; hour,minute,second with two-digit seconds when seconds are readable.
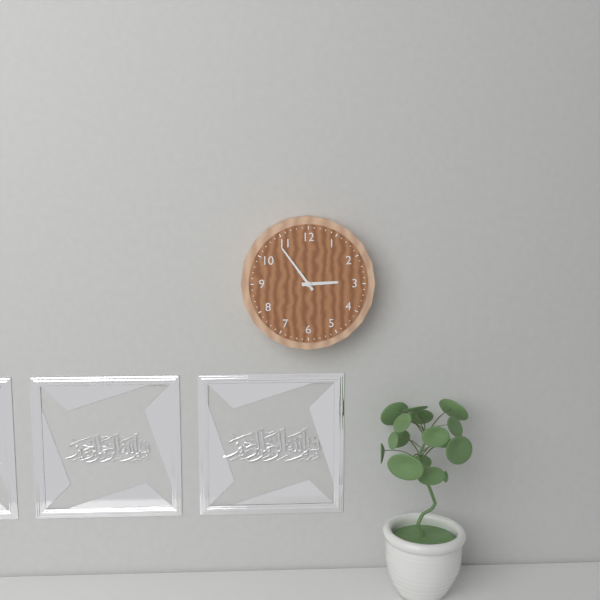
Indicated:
2,54
